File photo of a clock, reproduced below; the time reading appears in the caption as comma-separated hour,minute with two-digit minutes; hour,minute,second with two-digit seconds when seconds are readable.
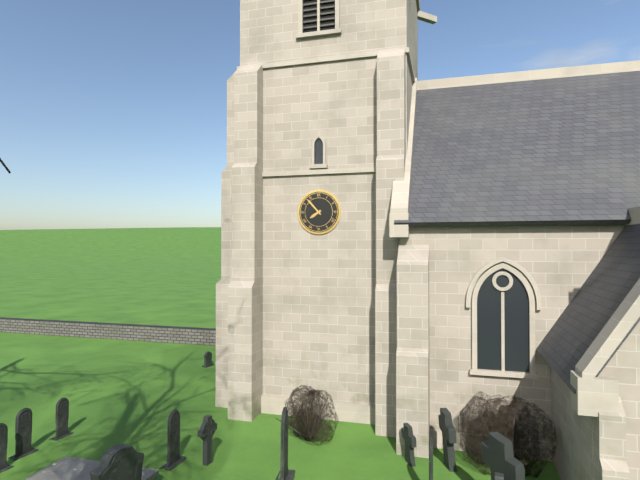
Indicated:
7,53
